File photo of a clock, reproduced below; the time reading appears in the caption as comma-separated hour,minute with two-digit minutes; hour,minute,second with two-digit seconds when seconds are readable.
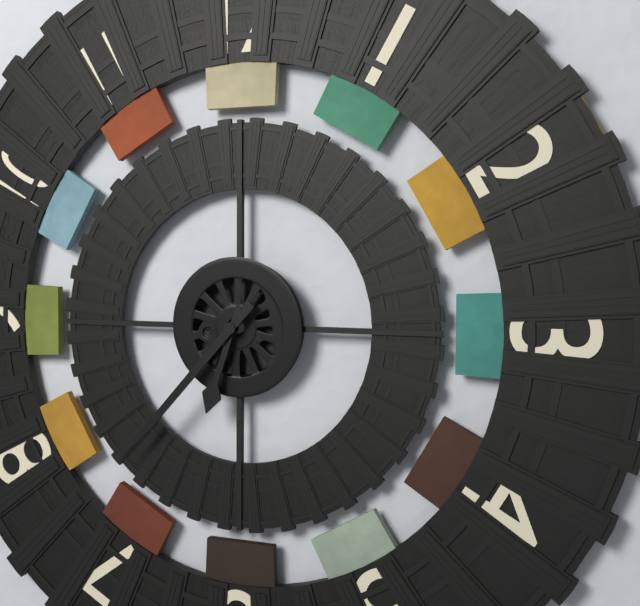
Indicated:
6,37
